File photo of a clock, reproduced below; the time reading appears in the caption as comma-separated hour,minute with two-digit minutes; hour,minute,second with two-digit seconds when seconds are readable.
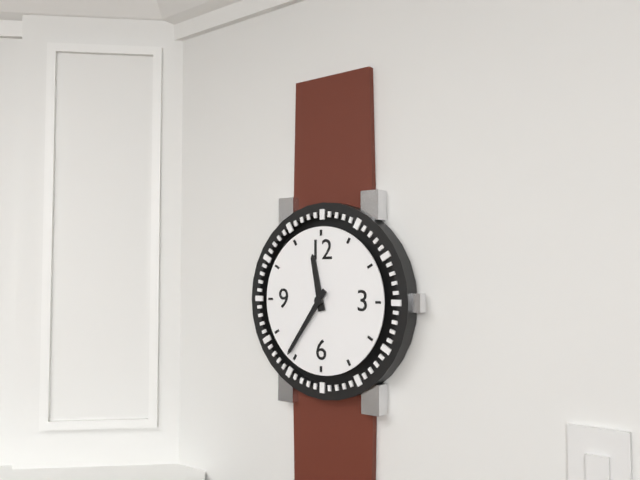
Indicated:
11,36
